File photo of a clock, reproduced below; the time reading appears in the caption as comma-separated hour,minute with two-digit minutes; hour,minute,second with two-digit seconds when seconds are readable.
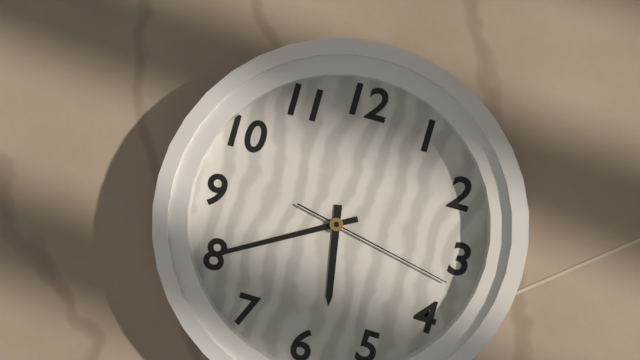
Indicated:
5,40,17
